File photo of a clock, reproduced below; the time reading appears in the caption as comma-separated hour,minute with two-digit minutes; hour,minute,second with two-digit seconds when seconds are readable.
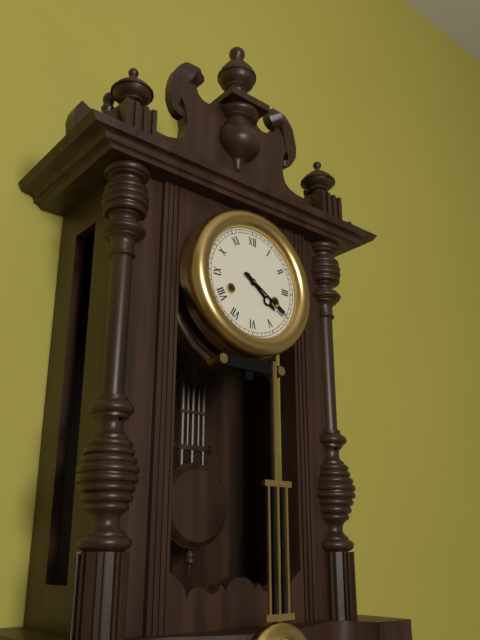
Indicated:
4,20
